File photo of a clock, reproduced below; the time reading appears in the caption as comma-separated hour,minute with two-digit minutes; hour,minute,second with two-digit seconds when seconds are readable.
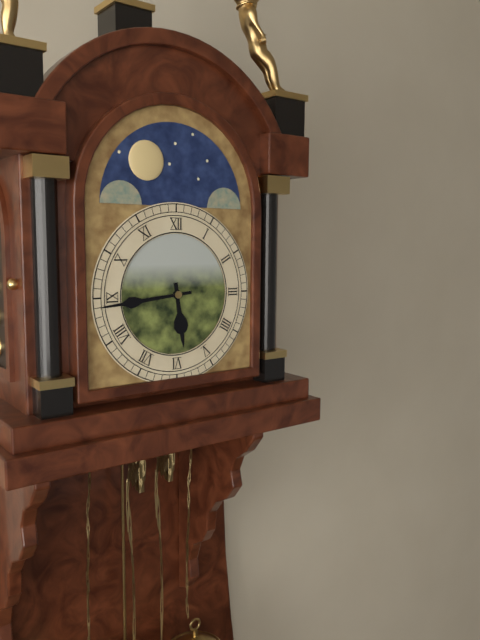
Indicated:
5,44
